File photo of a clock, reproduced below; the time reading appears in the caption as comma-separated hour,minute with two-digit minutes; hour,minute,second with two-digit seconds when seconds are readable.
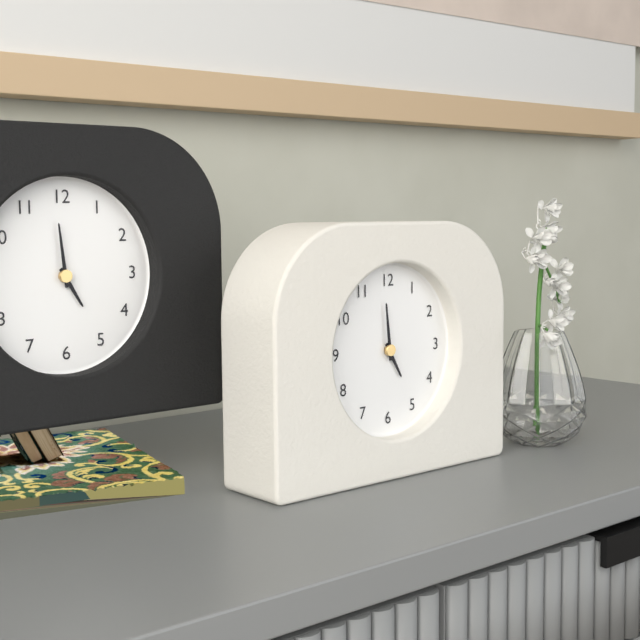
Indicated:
4,59
